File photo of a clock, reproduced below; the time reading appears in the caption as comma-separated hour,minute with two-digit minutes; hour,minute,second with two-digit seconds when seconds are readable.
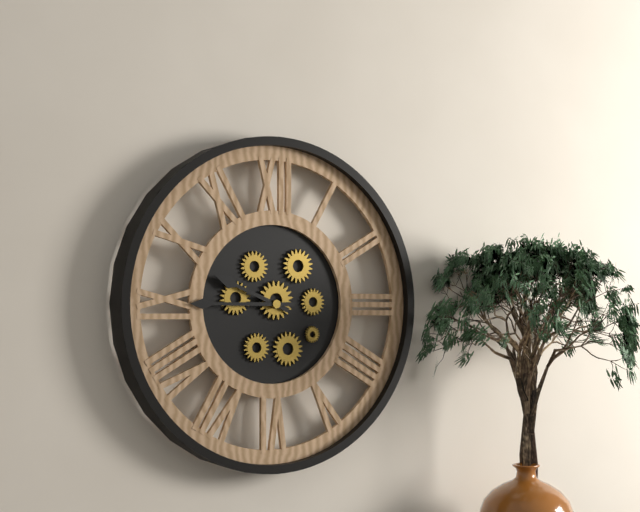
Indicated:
9,45
